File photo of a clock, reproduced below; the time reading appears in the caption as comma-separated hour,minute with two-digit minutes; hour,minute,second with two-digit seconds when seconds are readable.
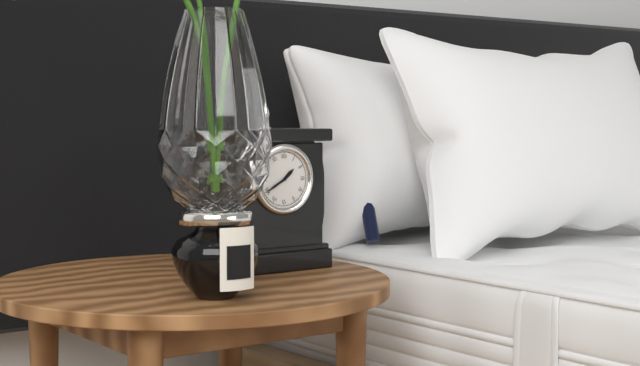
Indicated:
1,40
